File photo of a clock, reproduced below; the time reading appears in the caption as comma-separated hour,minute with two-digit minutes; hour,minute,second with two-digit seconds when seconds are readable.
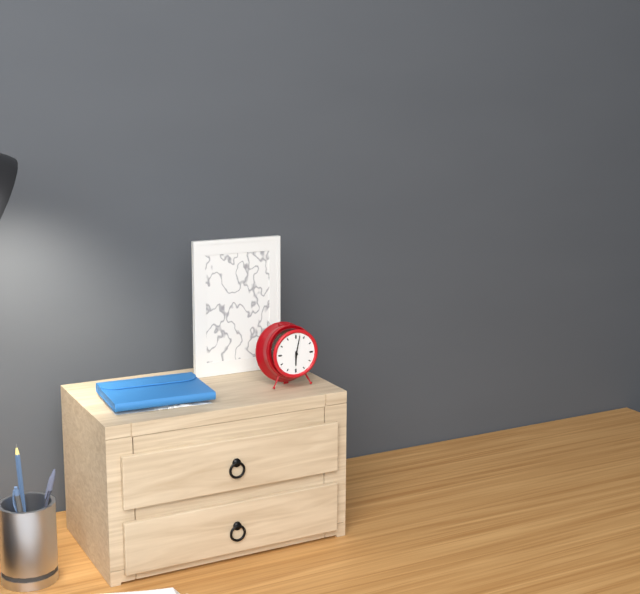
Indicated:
6,02
